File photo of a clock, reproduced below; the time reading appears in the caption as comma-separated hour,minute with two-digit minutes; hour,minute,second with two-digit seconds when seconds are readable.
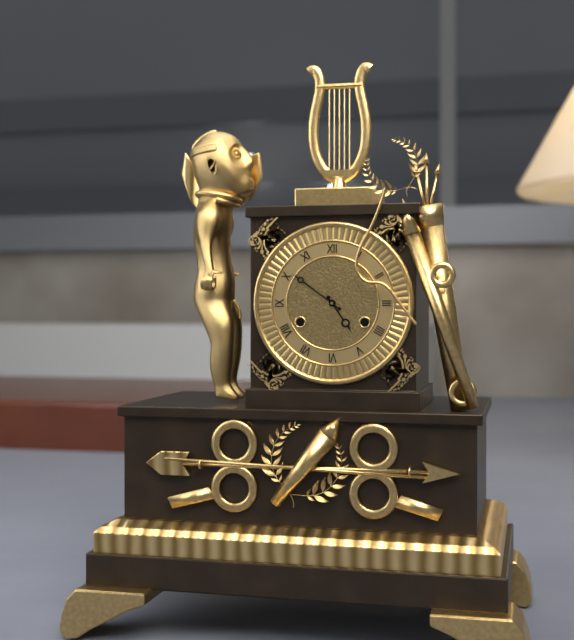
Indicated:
4,51
